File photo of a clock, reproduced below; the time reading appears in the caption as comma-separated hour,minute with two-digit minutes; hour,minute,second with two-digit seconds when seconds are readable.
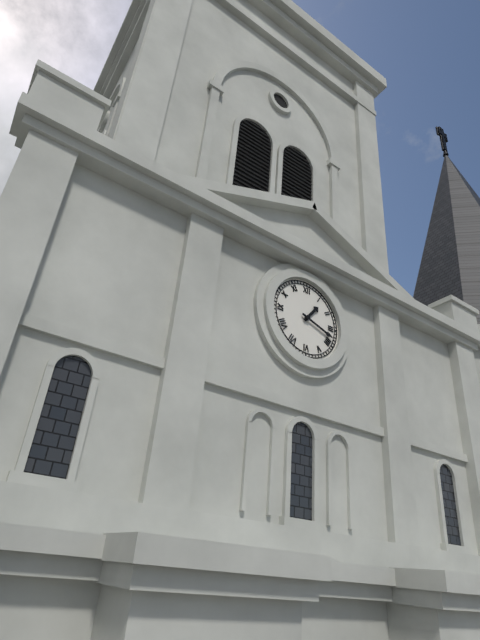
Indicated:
1,18
